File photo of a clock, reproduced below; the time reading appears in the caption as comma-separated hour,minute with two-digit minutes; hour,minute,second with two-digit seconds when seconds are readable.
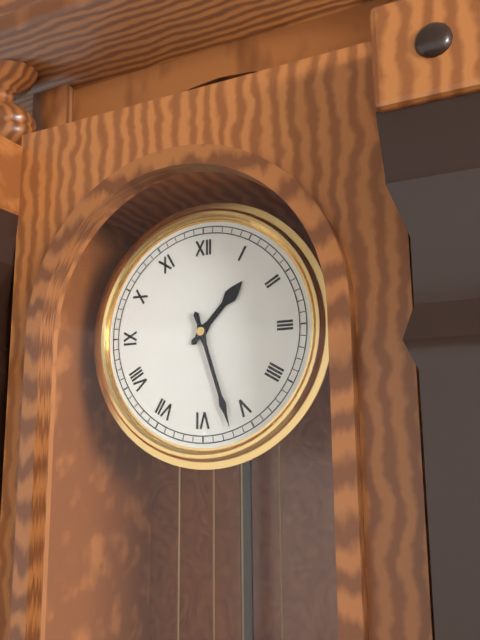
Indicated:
1,27
